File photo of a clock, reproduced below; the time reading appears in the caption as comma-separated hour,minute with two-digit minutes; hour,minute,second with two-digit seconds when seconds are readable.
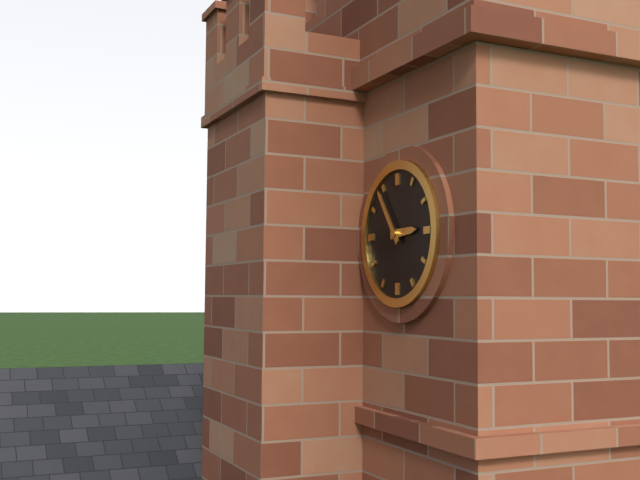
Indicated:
2,54
